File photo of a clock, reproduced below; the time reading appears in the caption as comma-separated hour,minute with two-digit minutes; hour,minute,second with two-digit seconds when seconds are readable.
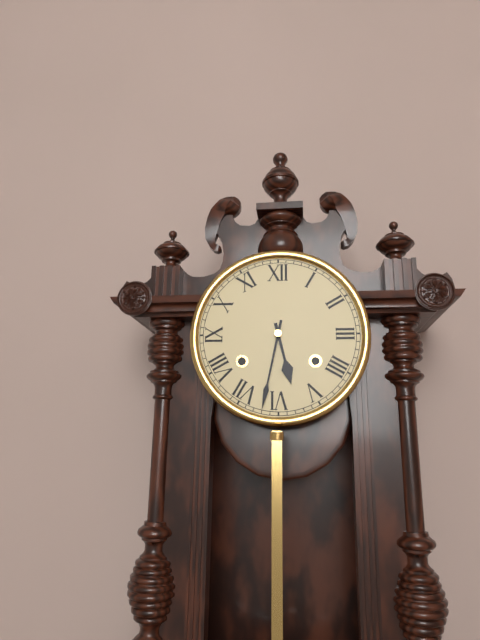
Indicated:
5,32
